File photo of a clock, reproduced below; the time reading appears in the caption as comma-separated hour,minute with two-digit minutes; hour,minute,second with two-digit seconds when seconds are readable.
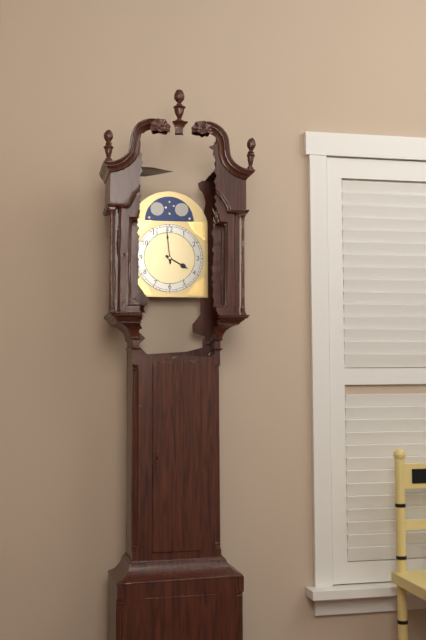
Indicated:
3,59
